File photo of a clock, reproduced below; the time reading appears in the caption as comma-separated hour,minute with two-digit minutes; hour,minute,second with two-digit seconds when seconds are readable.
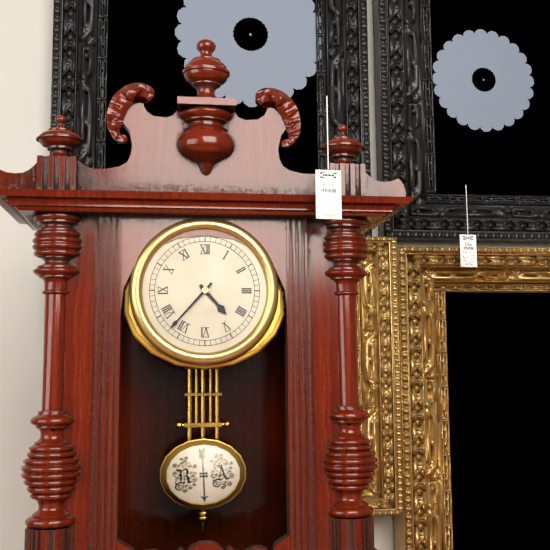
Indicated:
4,37
